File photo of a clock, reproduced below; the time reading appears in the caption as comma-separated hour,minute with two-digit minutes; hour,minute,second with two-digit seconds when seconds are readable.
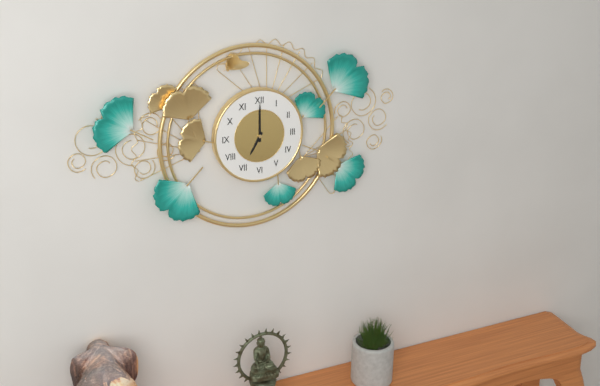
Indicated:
7,00
